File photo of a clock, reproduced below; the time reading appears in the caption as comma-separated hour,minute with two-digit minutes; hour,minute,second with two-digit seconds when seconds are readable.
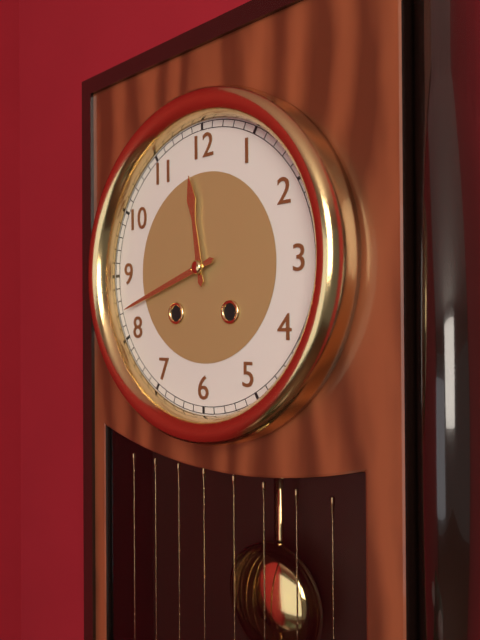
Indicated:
11,42
